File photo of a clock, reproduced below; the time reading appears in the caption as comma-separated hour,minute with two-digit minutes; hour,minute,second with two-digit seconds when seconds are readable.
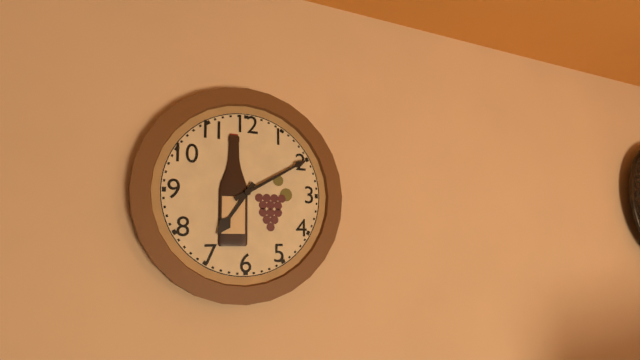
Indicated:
7,10
